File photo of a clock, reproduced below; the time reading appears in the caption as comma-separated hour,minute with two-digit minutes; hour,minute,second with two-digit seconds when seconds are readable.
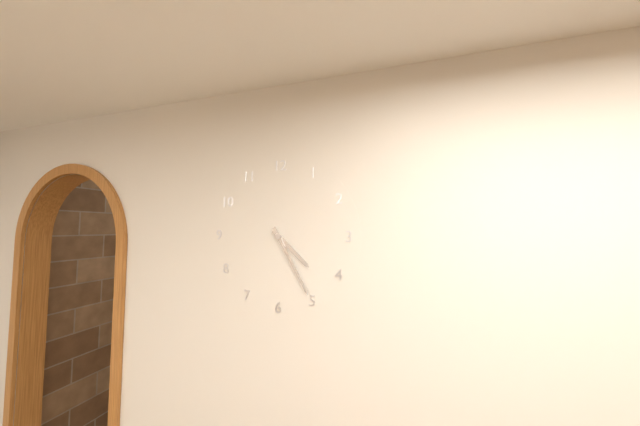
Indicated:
4,25
